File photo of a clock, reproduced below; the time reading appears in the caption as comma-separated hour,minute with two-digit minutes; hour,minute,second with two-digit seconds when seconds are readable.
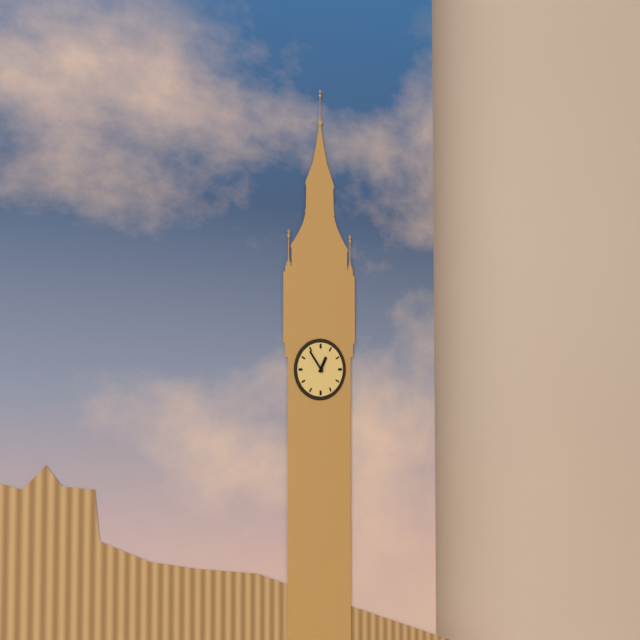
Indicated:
12,54
